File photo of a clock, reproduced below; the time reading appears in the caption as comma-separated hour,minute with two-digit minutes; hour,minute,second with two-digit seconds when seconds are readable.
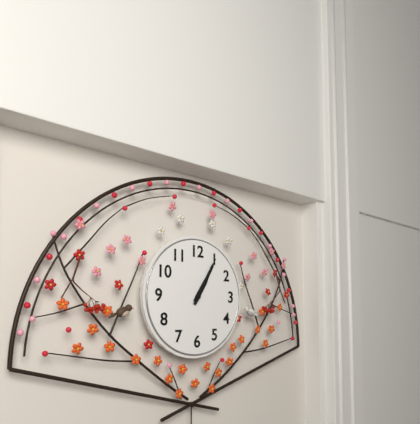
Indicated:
1,05
